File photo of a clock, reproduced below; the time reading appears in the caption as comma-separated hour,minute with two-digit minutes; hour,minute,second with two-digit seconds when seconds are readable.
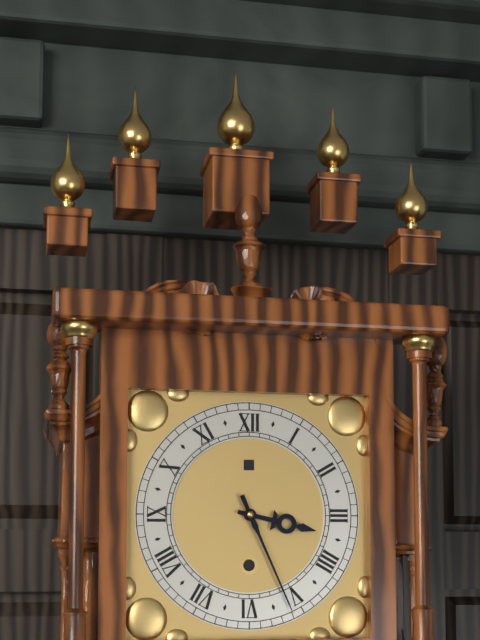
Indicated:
3,26
